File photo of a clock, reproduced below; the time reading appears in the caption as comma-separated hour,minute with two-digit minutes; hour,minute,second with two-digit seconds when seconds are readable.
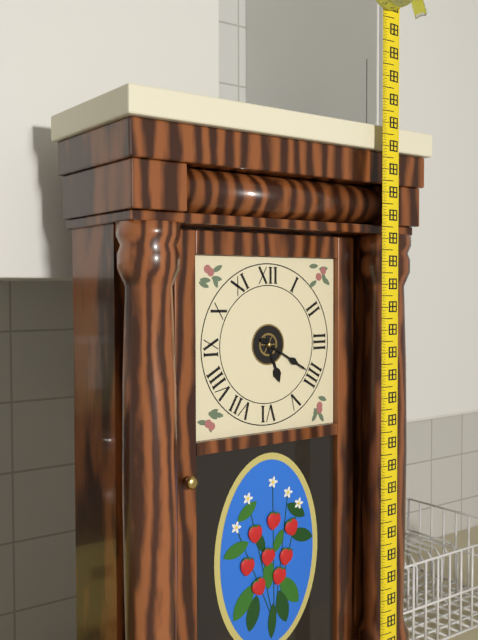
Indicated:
5,20
